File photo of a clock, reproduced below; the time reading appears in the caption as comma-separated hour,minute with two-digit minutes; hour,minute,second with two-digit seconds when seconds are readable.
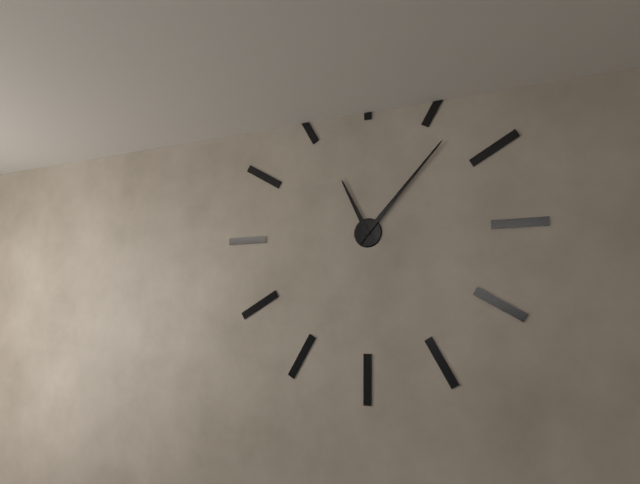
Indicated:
11,07
